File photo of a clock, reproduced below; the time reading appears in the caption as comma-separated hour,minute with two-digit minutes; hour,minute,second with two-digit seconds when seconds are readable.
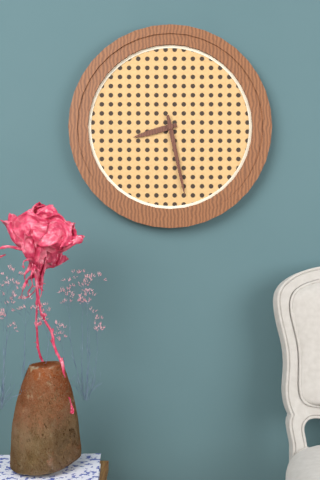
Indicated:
8,28
